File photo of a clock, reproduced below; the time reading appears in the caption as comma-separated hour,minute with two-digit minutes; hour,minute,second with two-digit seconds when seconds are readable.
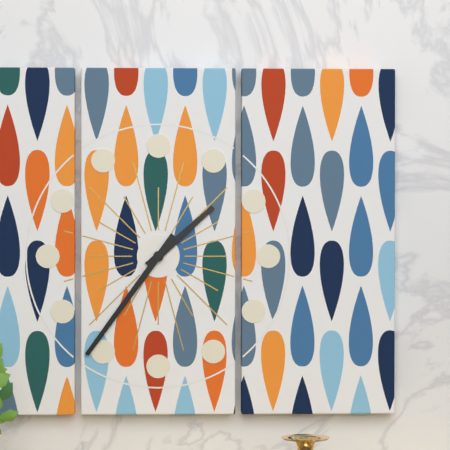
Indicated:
1,36
